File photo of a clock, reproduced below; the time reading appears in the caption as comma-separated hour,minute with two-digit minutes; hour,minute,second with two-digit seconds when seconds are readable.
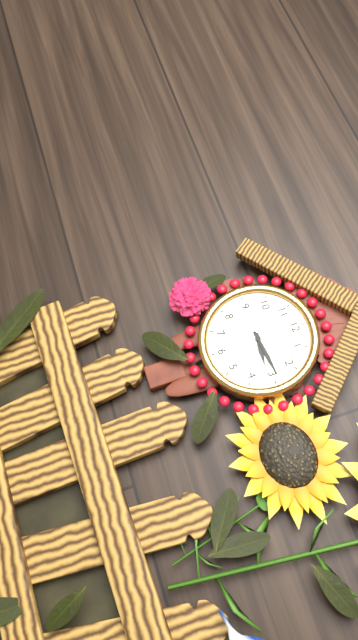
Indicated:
3,14
